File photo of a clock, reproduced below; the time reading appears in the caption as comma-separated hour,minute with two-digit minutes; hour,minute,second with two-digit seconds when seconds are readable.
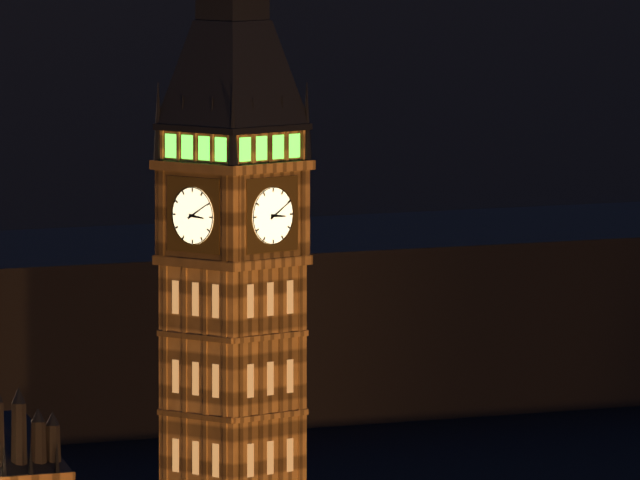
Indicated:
3,10
